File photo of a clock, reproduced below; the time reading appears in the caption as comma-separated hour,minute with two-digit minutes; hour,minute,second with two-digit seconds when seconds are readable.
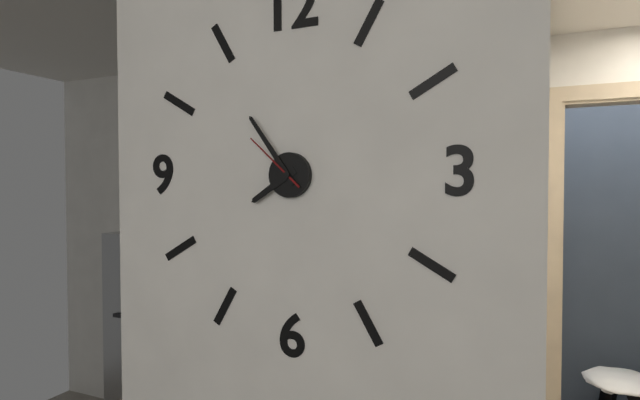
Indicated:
7,54,52
